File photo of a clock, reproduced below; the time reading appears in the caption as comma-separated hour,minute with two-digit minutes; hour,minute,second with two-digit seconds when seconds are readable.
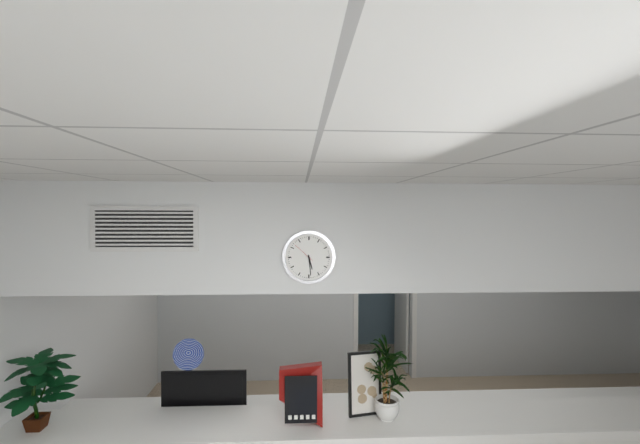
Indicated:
5,29
